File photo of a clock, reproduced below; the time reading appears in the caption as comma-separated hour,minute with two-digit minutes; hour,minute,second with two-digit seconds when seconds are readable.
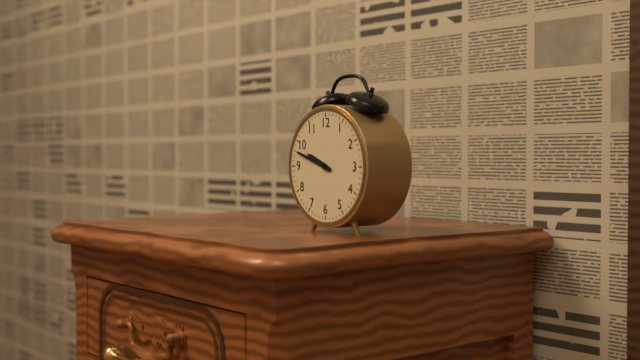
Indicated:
9,48
